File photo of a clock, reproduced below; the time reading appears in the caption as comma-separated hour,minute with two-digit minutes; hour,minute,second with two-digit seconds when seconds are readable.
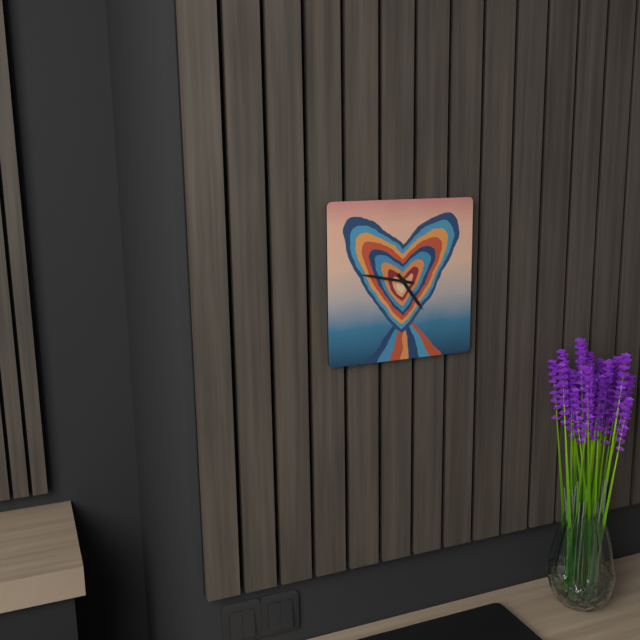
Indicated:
4,47
